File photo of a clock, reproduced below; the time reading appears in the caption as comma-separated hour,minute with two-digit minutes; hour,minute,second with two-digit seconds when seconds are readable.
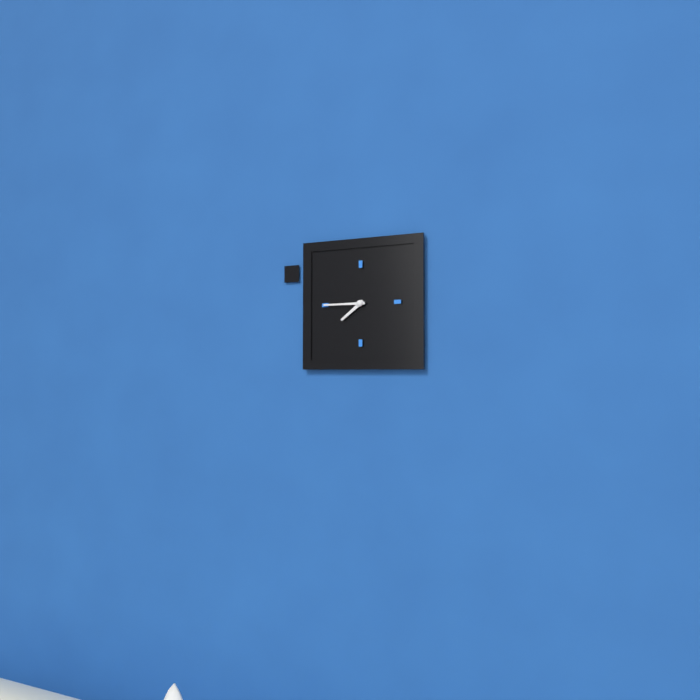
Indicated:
7,45
